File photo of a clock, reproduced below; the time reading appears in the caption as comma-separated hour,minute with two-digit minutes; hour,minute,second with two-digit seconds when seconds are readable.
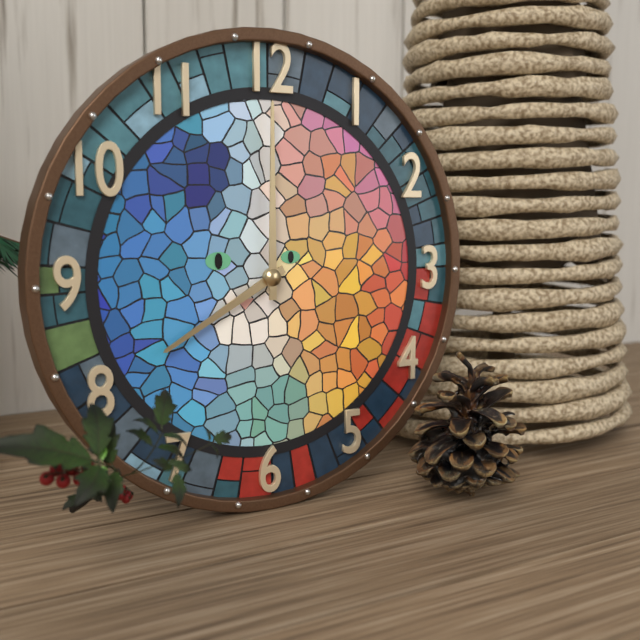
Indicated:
8,00
